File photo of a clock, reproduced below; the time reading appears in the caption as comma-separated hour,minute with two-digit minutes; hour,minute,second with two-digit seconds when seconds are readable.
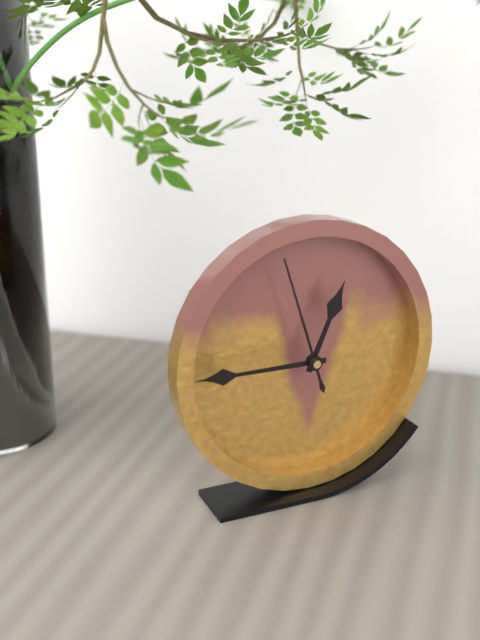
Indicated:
12,45,57
